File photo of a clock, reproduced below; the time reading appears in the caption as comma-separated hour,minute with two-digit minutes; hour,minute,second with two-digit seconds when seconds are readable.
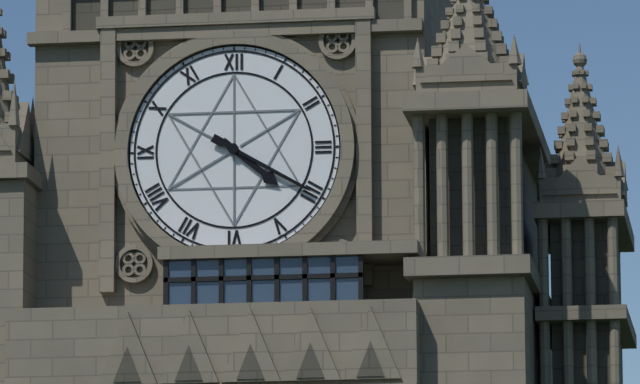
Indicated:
4,20
